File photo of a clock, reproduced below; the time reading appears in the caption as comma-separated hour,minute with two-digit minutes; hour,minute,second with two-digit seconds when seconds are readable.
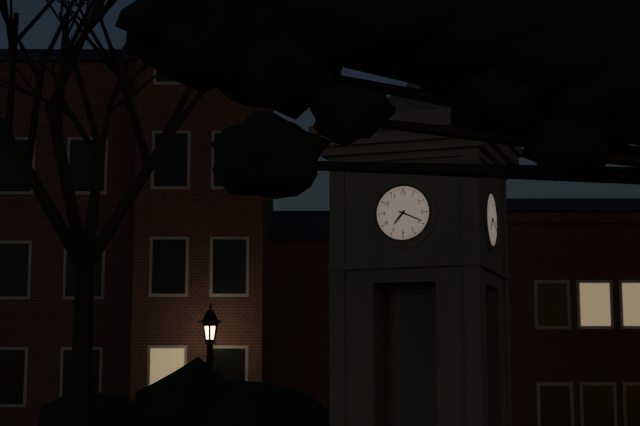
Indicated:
7,19
